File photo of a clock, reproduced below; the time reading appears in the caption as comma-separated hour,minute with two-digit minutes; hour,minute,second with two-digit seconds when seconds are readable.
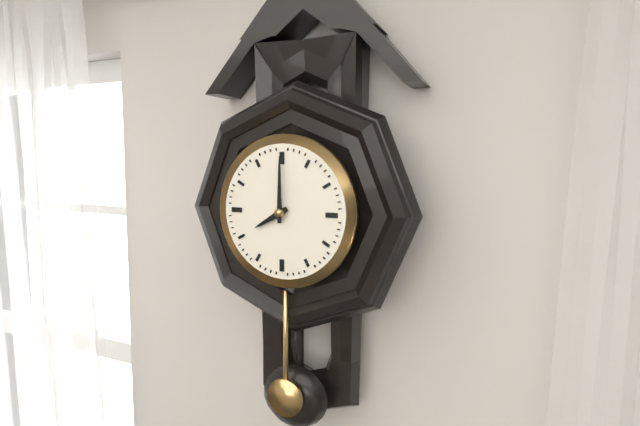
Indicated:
8,00
